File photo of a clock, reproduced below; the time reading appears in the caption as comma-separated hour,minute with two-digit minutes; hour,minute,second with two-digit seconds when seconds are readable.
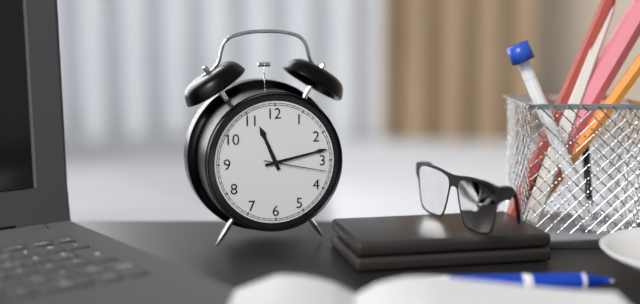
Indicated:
11,13,17
